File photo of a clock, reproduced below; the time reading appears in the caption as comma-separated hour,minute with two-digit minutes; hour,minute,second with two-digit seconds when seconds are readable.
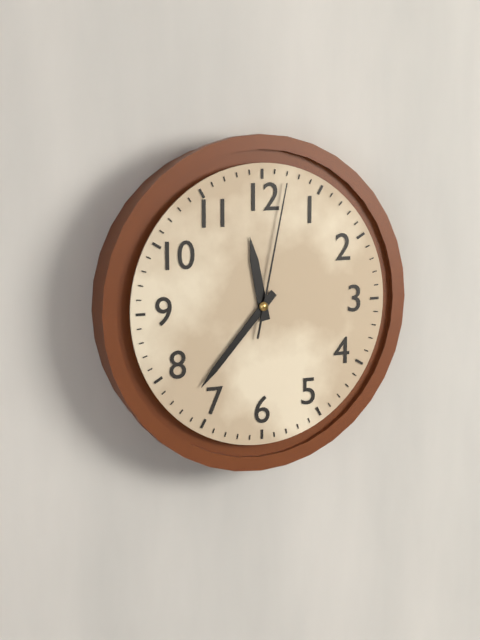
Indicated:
11,37,02
